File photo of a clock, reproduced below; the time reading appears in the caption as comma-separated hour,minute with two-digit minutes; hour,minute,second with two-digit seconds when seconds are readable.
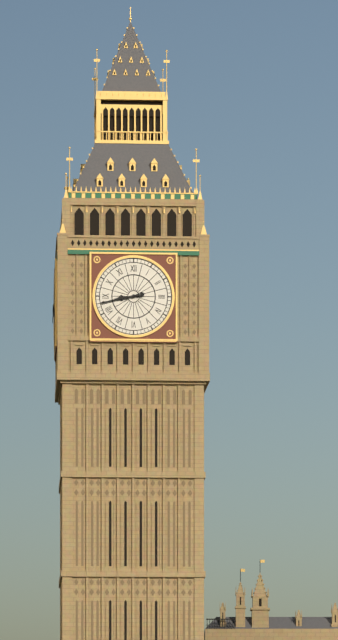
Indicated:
8,43
